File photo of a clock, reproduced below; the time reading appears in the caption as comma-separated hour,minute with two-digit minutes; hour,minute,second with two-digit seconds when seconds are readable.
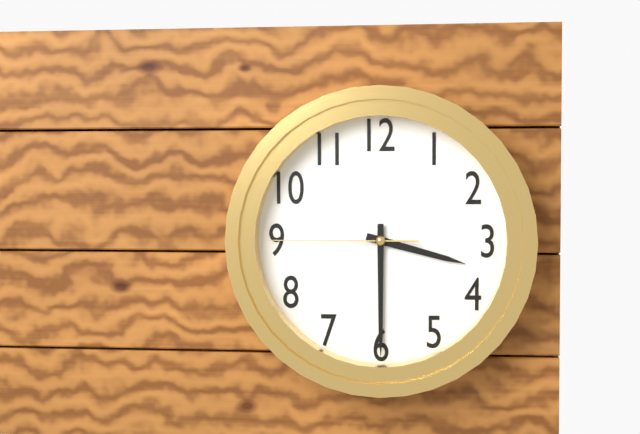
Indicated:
3,30,45
